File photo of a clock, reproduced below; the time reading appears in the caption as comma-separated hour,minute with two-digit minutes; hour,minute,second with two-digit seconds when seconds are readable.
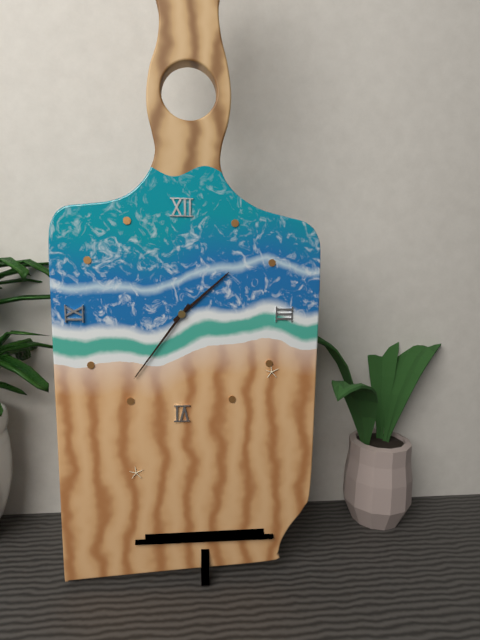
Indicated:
1,36
